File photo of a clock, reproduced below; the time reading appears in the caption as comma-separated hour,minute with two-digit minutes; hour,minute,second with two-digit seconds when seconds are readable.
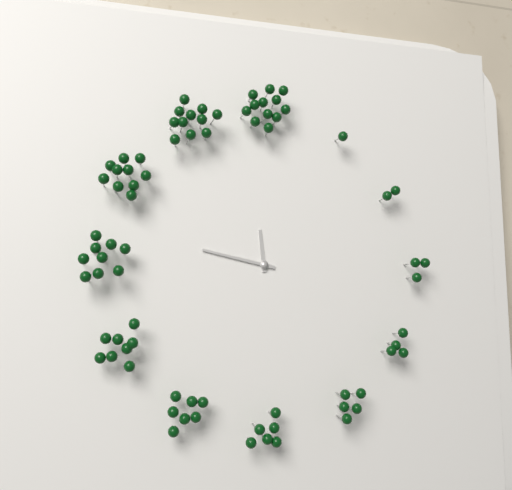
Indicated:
11,47
